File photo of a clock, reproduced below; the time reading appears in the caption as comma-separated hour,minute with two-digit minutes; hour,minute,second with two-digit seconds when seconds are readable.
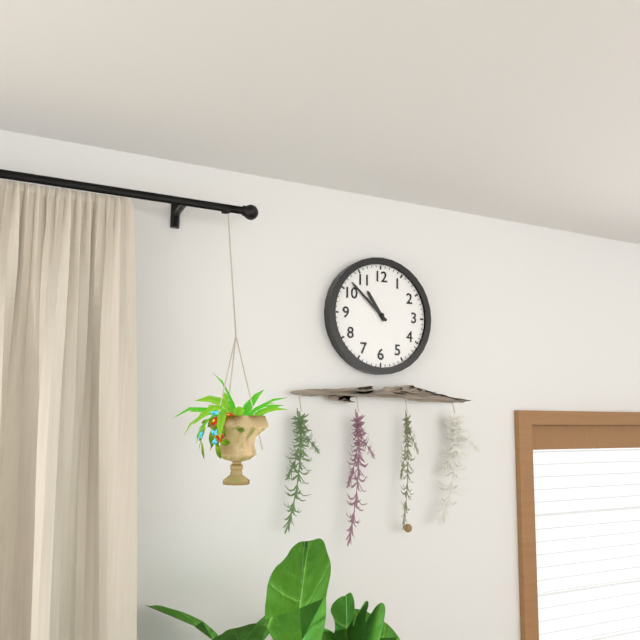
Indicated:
10,52
